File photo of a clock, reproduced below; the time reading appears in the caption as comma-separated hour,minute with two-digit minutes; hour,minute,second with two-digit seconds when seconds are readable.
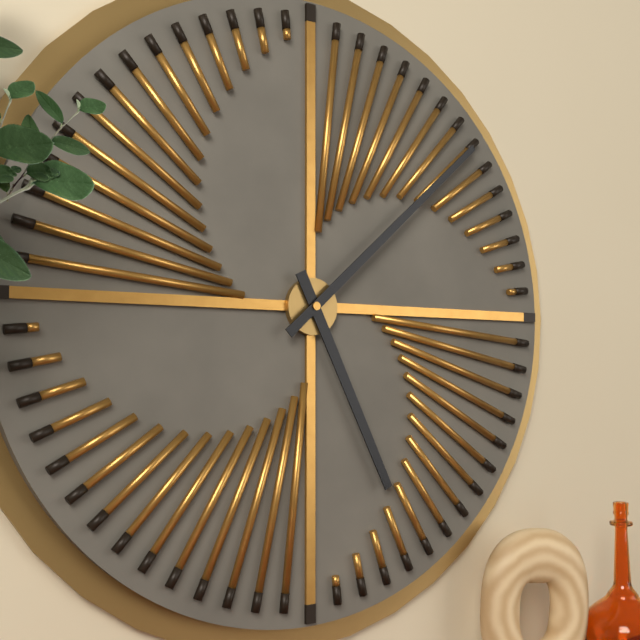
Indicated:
5,08
